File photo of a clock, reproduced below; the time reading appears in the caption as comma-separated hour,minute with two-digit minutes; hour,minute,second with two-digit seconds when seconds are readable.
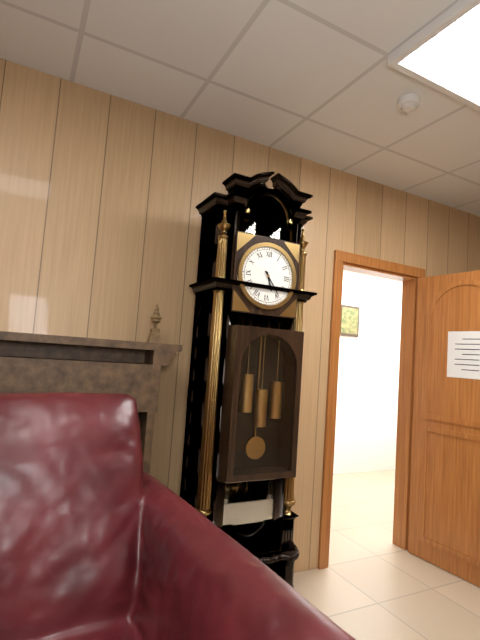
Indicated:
5,24
